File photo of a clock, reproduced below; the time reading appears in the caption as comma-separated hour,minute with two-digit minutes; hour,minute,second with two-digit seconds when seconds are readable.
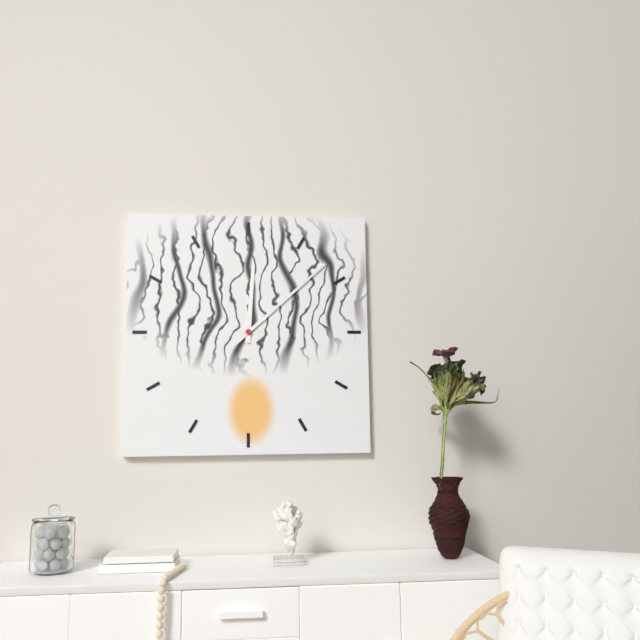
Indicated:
12,08
